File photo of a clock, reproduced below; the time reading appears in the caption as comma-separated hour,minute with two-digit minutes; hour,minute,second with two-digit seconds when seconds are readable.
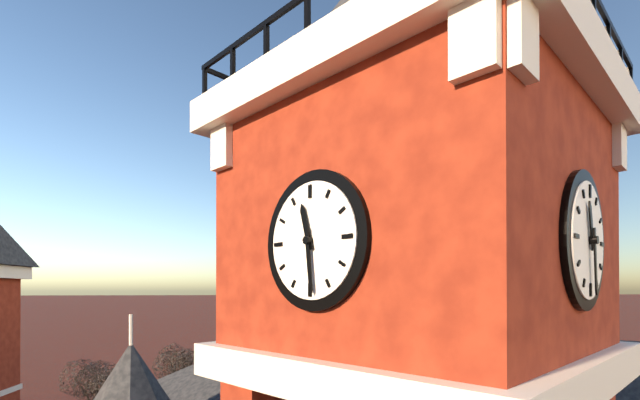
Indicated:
11,29
